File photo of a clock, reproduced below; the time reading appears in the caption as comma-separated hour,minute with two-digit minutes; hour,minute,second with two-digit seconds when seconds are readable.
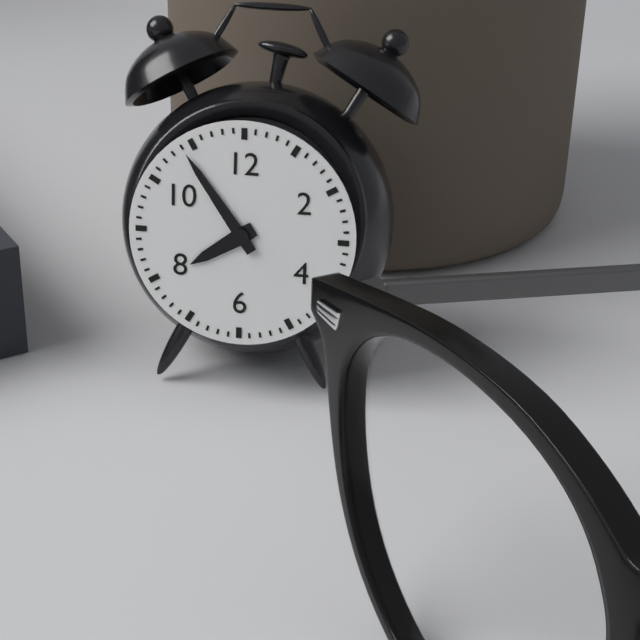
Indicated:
7,54
